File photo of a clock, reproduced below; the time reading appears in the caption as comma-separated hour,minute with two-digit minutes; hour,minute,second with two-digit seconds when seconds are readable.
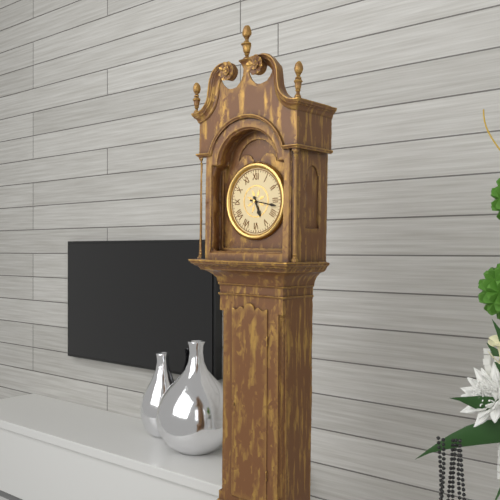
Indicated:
5,17
